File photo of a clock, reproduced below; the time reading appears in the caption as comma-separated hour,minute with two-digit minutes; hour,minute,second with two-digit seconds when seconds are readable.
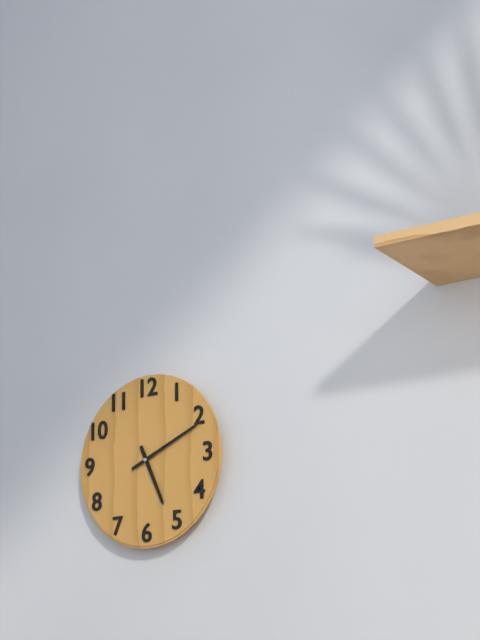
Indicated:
5,11
